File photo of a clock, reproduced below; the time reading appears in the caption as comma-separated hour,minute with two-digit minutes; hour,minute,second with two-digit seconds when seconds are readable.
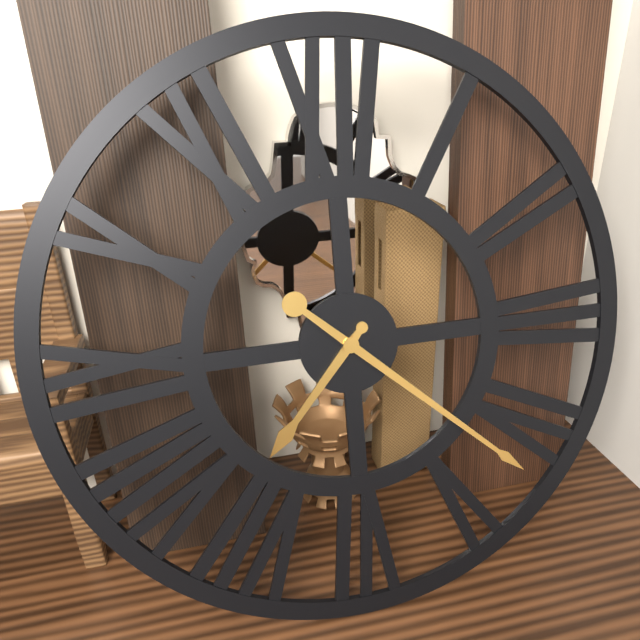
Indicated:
7,22
